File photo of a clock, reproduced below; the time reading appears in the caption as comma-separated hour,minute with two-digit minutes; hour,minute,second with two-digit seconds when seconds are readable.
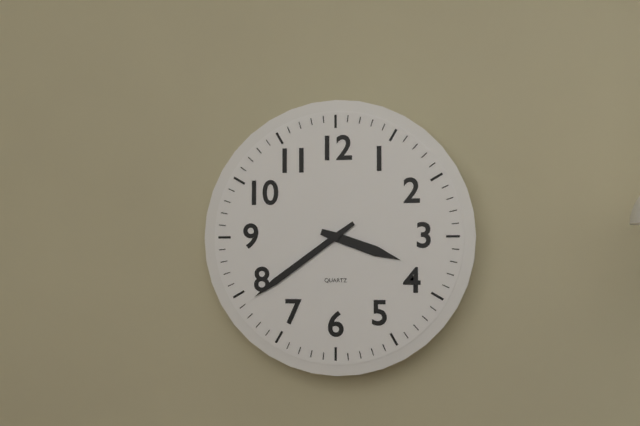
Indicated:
3,39
